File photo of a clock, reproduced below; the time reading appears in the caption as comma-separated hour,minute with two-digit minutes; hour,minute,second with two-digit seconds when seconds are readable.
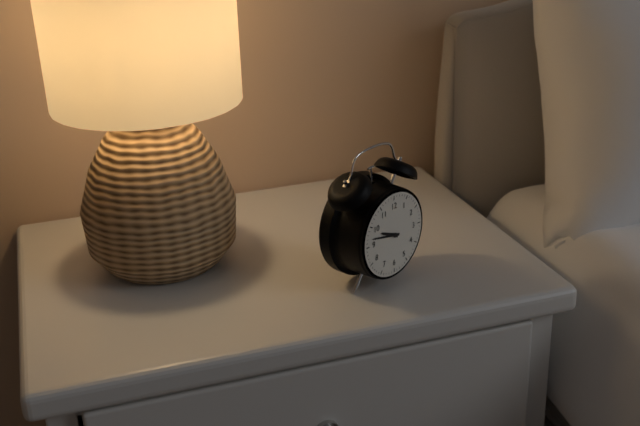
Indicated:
9,47
